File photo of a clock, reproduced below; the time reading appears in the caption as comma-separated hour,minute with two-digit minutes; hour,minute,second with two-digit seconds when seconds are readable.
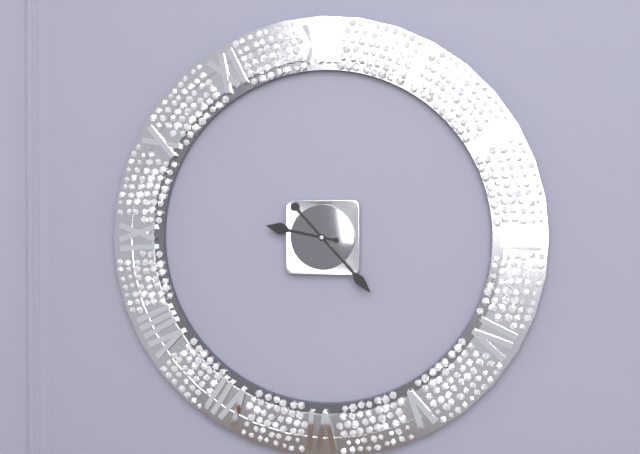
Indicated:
9,23
